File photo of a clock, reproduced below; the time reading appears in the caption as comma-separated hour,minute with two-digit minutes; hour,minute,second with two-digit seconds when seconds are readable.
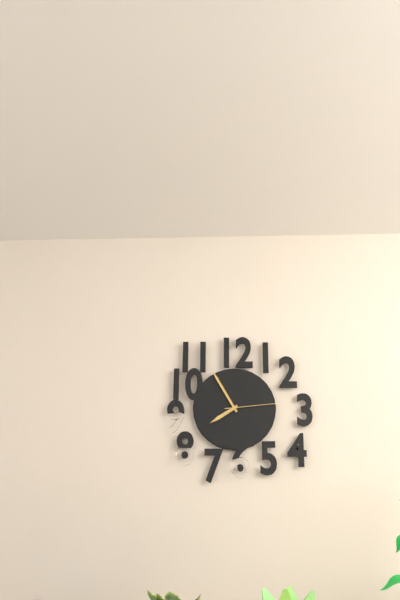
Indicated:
7,55,14
